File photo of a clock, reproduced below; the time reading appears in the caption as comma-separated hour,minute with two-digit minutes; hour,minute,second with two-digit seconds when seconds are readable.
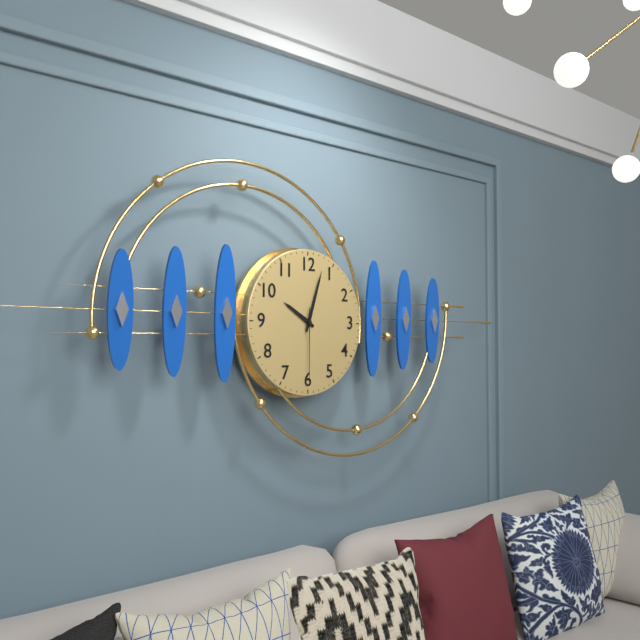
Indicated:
10,03,30
